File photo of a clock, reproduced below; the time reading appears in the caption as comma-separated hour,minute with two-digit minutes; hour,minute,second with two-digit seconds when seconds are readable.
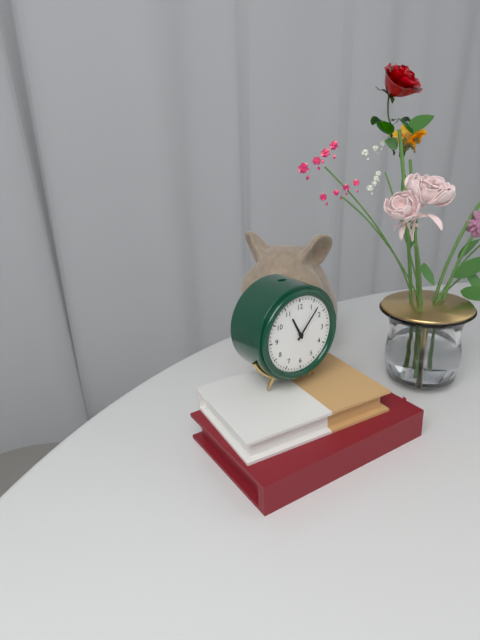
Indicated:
11,07
